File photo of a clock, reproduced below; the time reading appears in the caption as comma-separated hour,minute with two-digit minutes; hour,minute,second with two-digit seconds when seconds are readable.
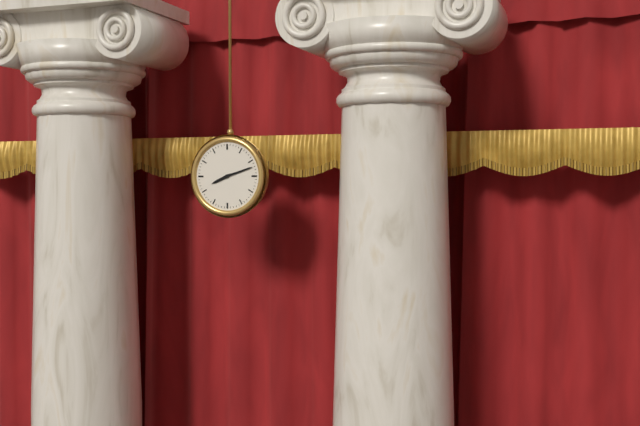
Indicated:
8,12
